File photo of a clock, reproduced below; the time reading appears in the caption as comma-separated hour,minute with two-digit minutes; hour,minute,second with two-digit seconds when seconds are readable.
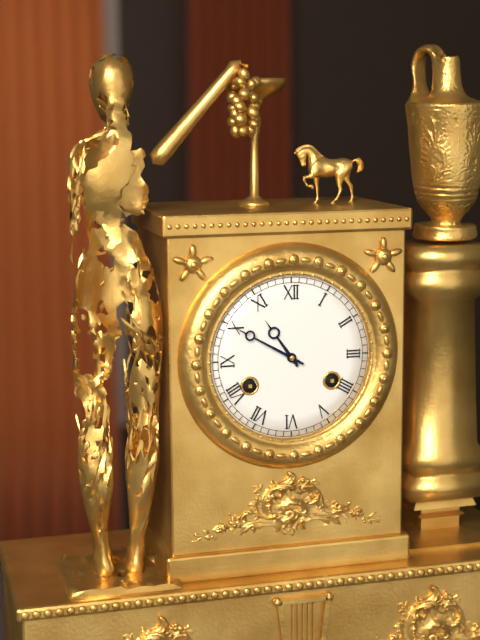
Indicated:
10,50
